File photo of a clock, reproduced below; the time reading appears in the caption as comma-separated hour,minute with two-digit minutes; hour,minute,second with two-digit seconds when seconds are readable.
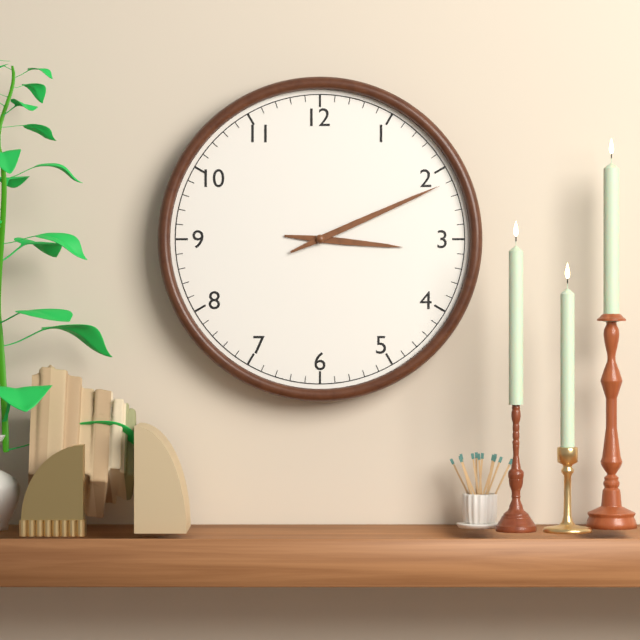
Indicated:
3,11
